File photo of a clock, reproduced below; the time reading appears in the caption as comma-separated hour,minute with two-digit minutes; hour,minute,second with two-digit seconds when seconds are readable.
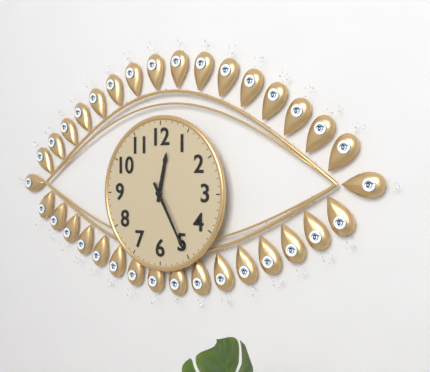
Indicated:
12,25
